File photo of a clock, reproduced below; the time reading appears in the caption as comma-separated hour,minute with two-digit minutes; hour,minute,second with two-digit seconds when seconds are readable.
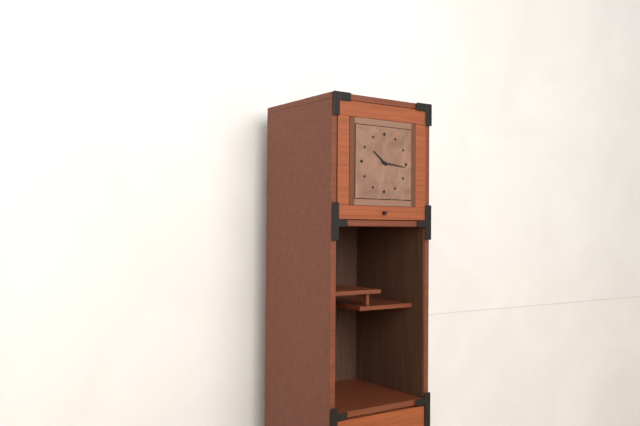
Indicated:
10,16
